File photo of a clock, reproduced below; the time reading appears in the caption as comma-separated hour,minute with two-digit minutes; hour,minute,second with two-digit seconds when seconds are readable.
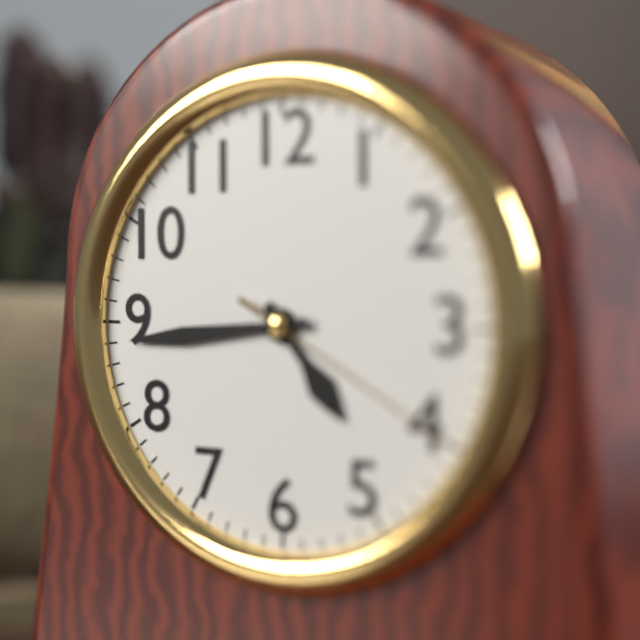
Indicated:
4,44,20
